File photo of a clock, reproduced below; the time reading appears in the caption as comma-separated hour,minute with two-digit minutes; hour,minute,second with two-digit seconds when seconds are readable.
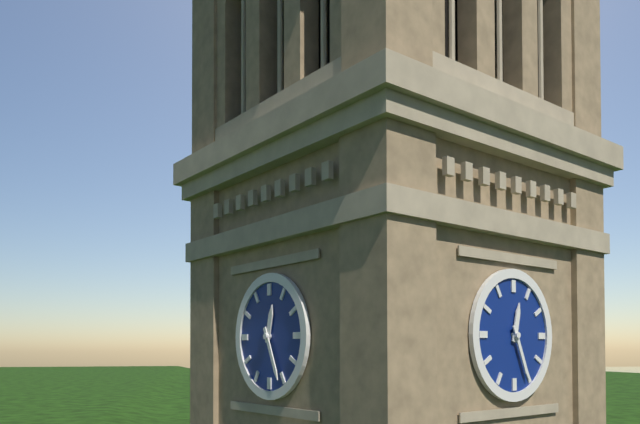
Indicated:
12,26
